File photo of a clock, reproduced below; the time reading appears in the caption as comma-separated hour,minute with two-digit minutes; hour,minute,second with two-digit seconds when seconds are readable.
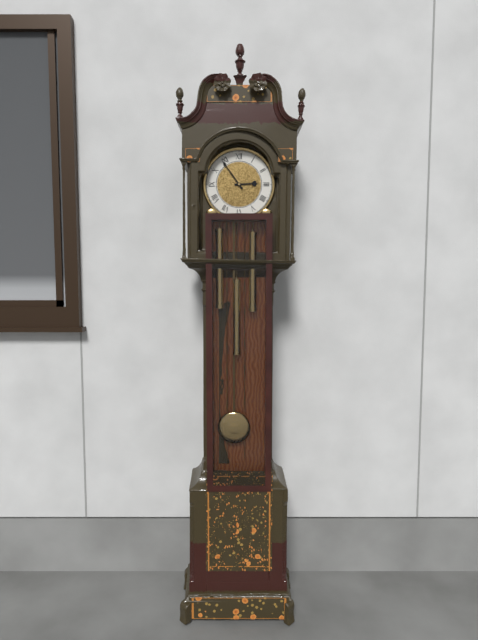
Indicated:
2,54
